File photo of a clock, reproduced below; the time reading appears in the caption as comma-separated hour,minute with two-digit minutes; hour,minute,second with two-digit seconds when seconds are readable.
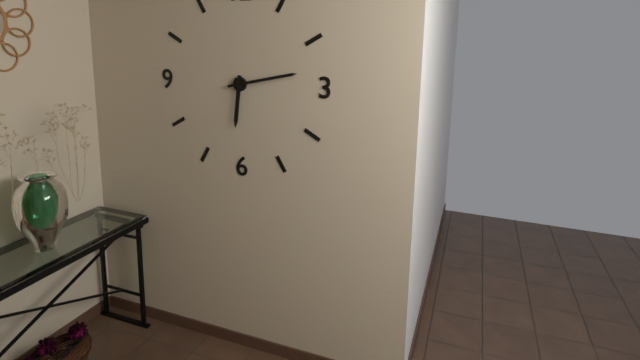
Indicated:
6,13
